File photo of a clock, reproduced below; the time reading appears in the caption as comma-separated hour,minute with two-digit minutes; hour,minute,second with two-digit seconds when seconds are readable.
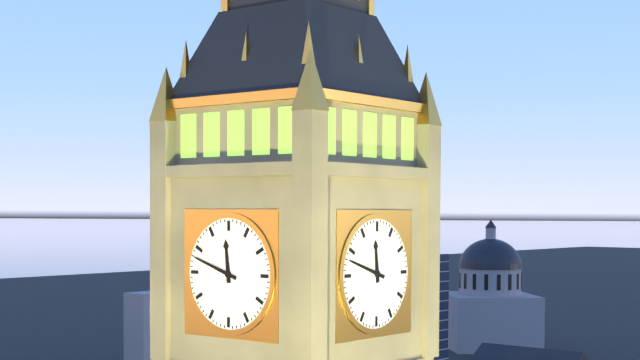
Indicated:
11,48
